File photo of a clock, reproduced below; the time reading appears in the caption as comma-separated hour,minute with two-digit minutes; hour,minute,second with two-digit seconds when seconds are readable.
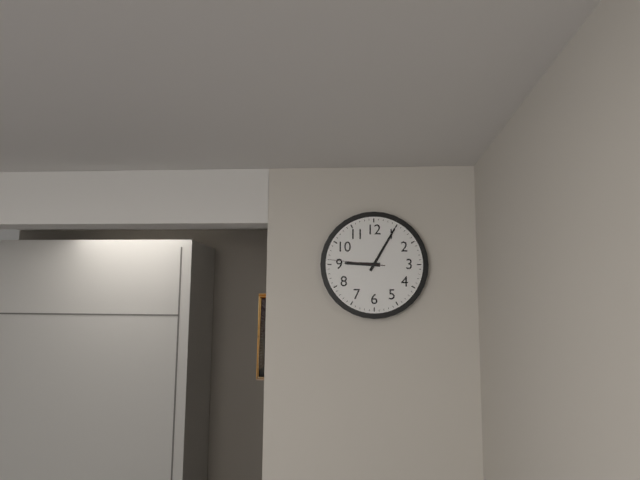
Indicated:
9,05,46
